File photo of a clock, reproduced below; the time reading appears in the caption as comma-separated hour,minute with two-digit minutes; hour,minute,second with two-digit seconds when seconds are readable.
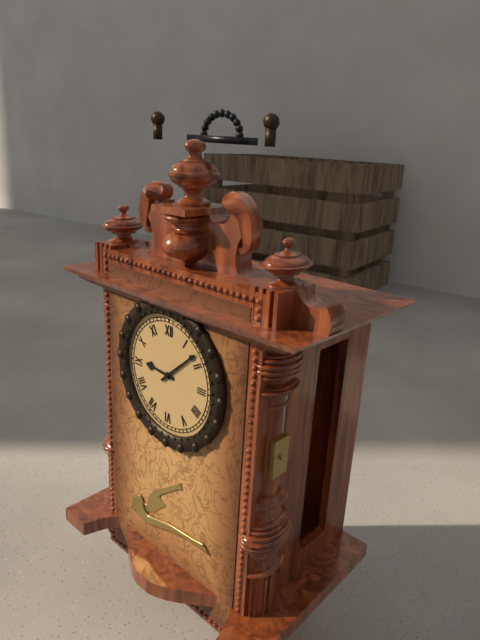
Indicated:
9,08
